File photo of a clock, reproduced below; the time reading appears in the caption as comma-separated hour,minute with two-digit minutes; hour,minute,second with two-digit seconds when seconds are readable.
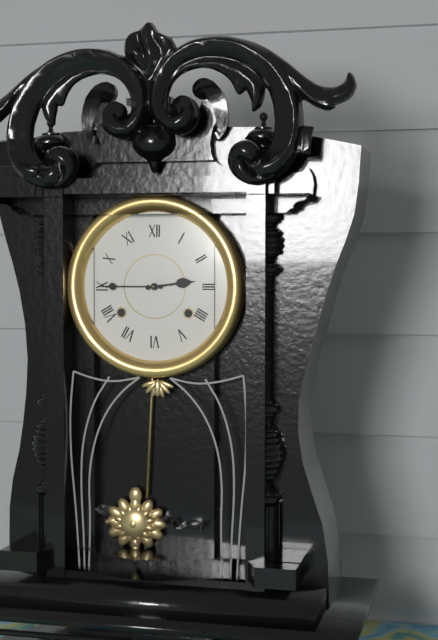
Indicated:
2,45
